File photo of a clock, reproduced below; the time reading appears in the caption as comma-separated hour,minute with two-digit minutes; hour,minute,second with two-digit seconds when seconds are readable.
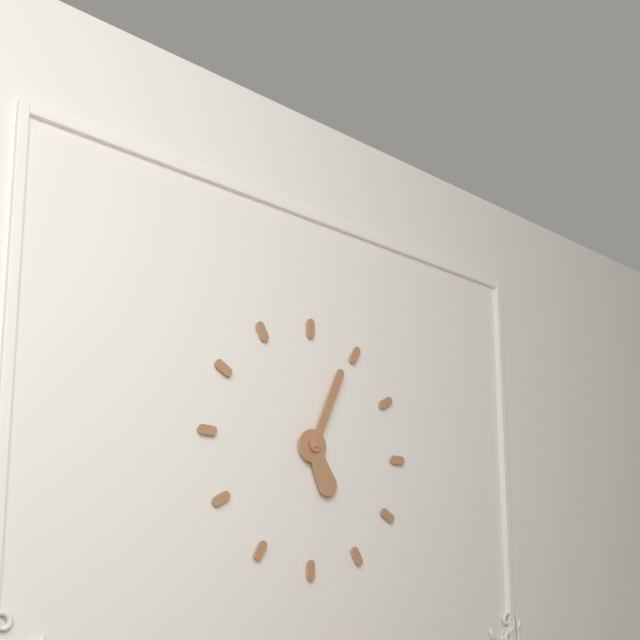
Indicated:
5,04
